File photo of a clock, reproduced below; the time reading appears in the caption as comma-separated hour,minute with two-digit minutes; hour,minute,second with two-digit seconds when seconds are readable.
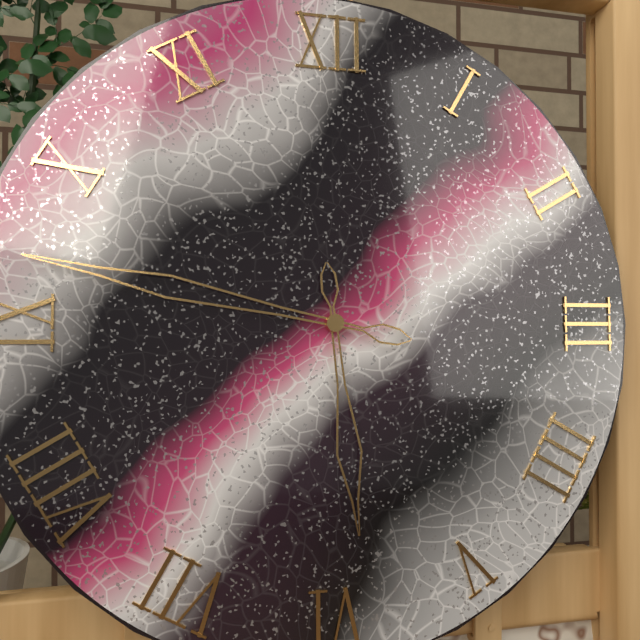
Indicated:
5,47
